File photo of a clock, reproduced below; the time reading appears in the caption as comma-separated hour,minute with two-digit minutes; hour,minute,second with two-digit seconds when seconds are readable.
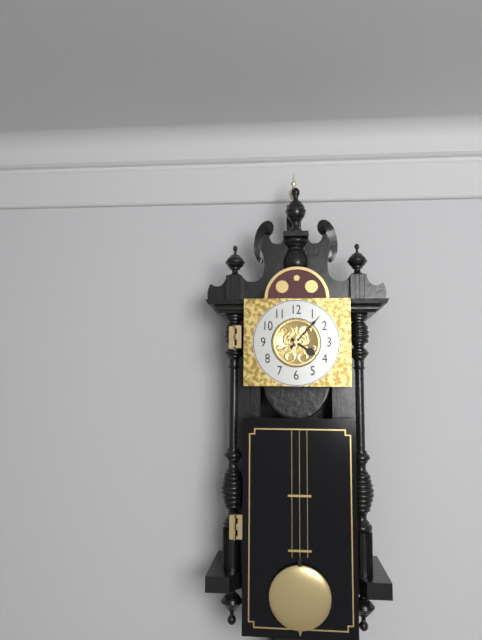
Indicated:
4,07
